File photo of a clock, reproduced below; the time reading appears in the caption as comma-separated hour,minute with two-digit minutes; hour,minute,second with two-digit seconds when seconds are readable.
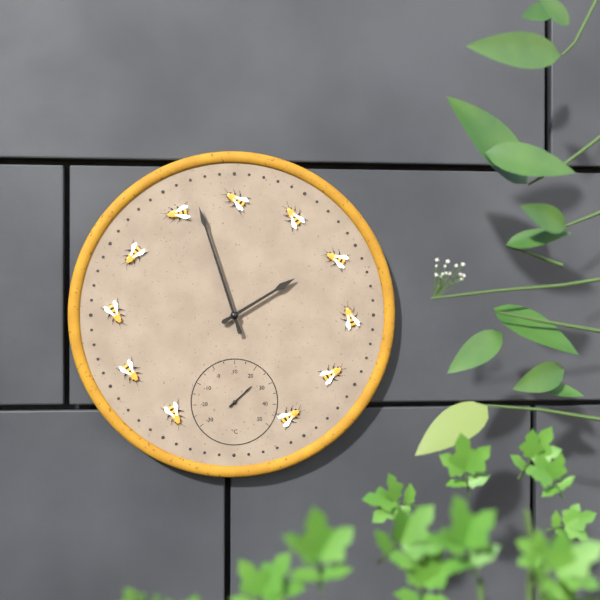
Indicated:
1,57
